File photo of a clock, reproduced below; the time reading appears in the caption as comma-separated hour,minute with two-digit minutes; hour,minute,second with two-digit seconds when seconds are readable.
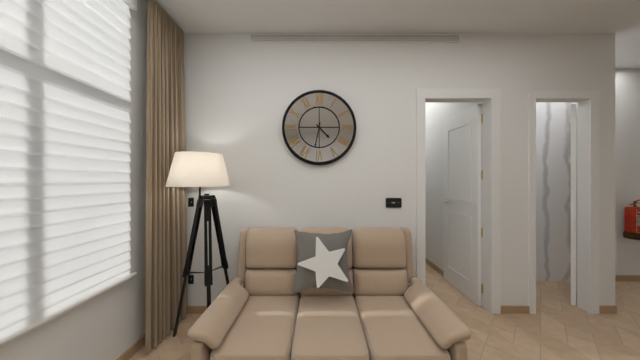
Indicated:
4,32
